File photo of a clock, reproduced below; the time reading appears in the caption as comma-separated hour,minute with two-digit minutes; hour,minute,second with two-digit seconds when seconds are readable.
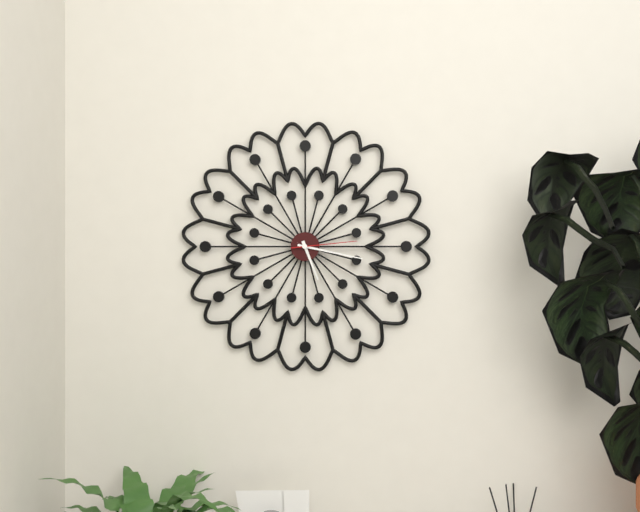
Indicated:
5,17,14
